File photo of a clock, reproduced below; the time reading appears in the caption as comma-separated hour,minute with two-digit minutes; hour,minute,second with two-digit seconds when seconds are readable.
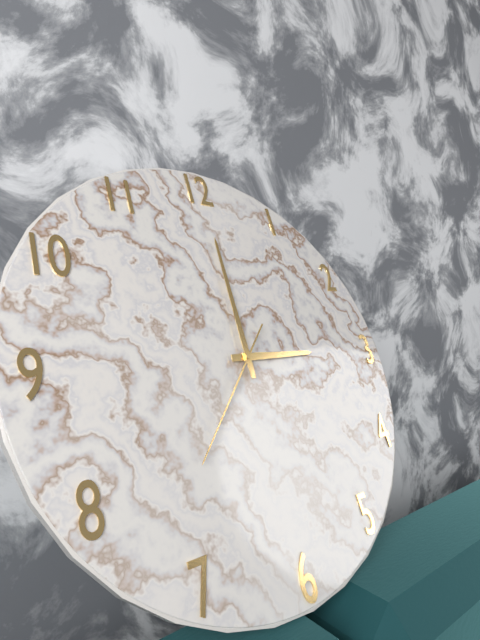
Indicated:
3,00,37
